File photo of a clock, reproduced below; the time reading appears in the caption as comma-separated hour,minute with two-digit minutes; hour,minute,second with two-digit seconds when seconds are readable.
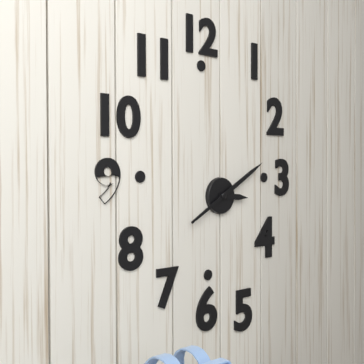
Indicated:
3,10
